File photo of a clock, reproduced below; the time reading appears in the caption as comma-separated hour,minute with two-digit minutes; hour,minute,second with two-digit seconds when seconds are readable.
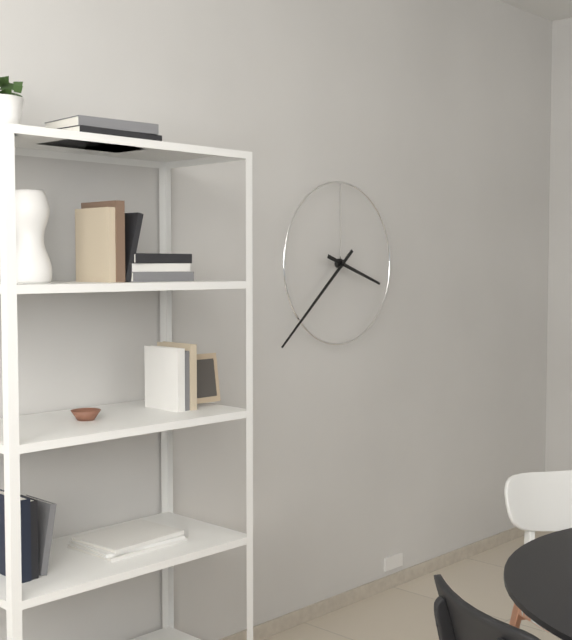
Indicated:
3,38
